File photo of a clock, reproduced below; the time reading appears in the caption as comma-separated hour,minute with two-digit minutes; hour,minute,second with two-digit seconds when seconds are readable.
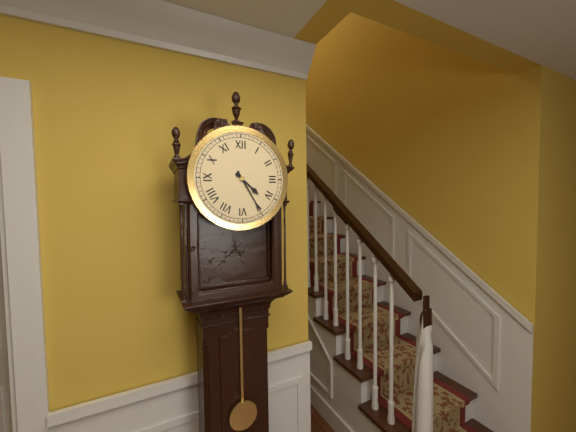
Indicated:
4,25
